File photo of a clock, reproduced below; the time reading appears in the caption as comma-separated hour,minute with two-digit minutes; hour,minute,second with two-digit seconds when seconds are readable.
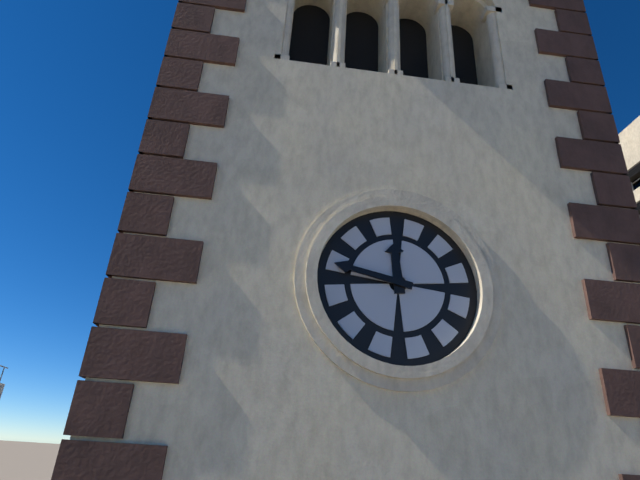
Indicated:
11,47
